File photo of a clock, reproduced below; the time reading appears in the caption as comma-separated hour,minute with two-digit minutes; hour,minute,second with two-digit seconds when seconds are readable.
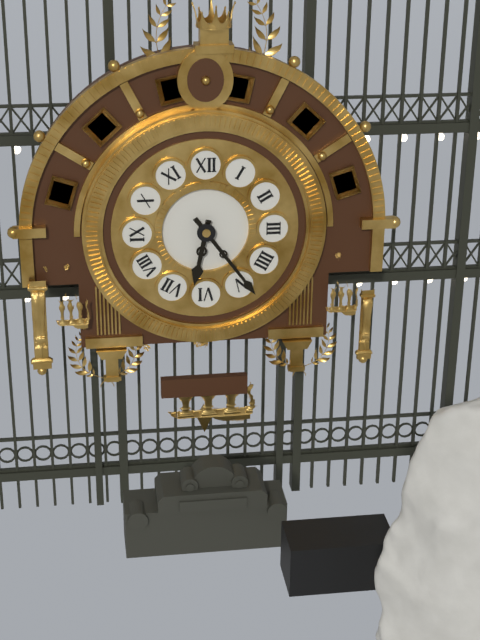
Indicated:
6,24
